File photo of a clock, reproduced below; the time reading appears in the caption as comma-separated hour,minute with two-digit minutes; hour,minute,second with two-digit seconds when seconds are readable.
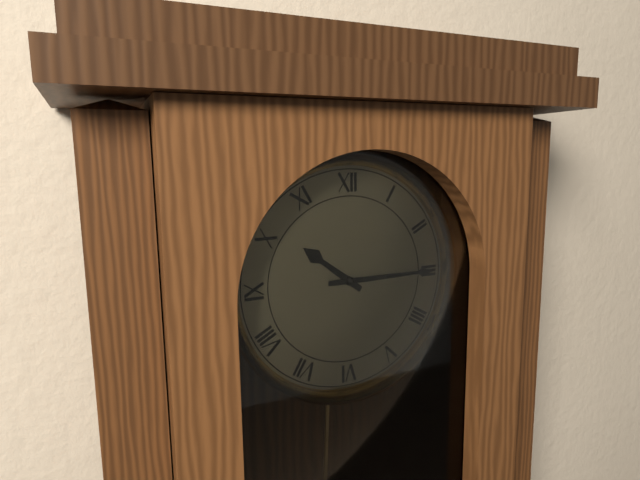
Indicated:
10,15
